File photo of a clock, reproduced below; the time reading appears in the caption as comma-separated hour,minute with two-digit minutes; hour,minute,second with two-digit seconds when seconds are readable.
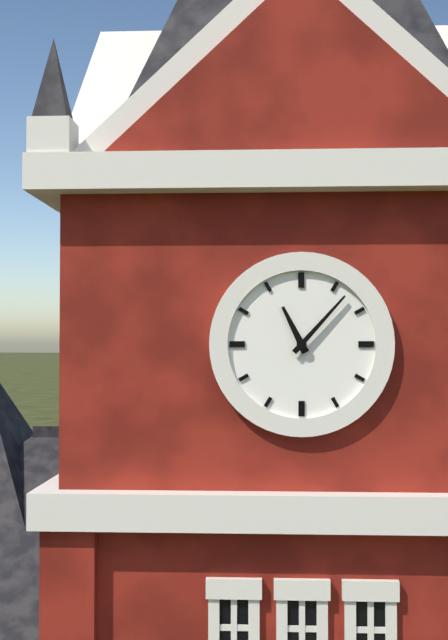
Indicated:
11,07
